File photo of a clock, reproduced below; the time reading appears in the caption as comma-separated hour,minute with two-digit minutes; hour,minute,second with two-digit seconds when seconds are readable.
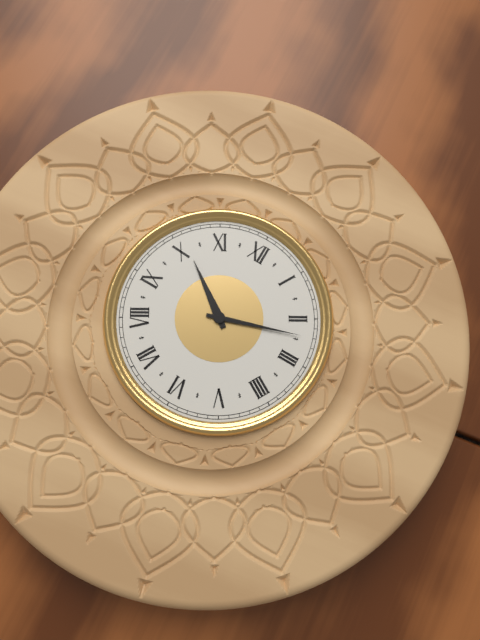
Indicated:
10,12
